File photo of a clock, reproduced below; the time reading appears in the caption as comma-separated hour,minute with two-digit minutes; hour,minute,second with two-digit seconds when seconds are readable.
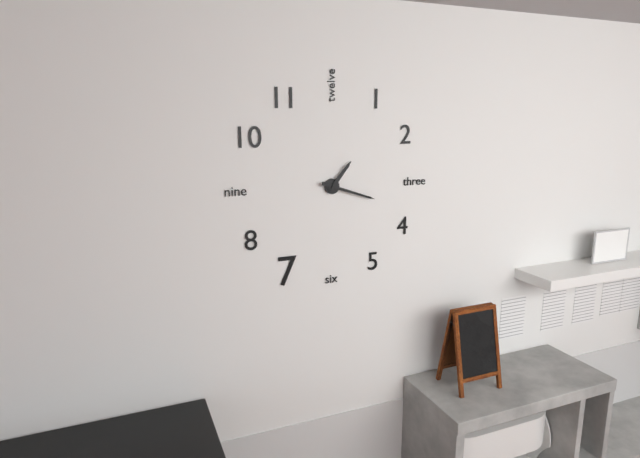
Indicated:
1,18
